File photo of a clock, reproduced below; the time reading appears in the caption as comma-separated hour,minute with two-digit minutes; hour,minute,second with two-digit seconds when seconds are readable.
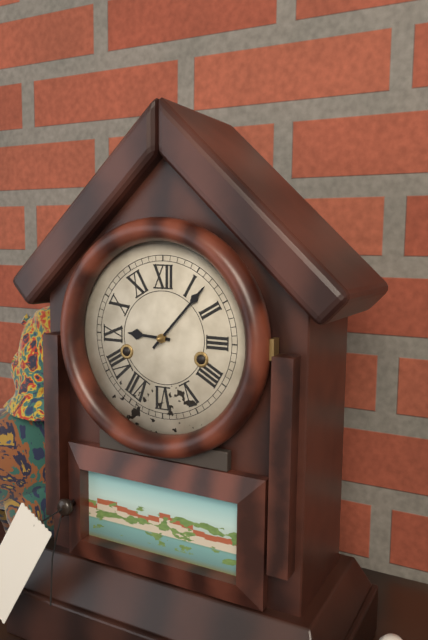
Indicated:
9,07
